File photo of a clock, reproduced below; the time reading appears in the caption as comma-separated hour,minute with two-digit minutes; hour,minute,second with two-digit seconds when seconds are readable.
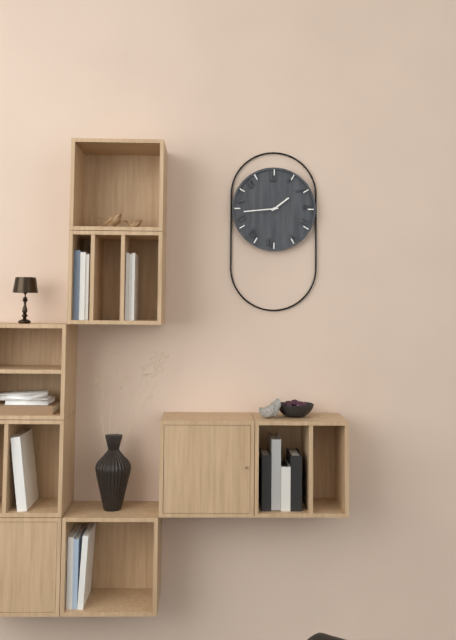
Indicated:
1,44
